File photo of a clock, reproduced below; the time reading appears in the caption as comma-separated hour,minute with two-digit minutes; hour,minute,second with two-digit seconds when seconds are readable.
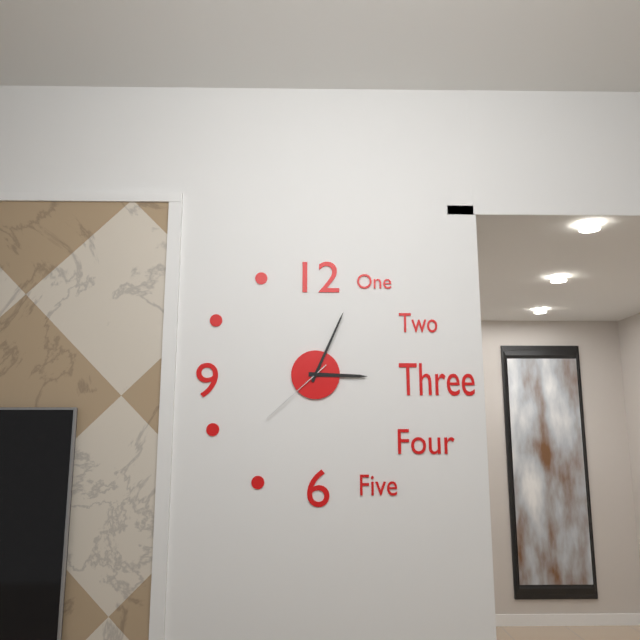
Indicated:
3,04,38
